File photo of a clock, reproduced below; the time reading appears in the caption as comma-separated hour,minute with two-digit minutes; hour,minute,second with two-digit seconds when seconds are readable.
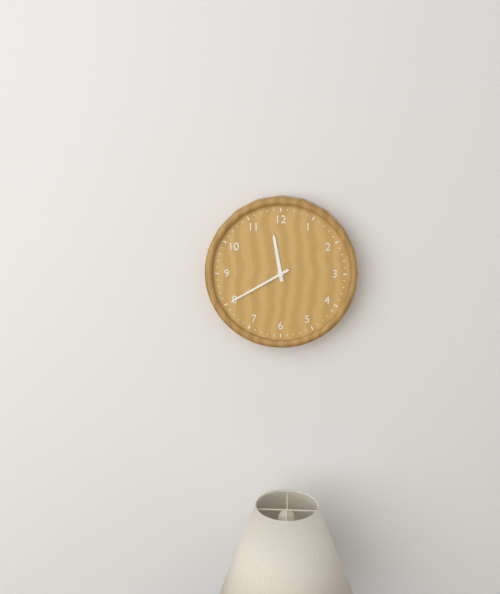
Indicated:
11,40
